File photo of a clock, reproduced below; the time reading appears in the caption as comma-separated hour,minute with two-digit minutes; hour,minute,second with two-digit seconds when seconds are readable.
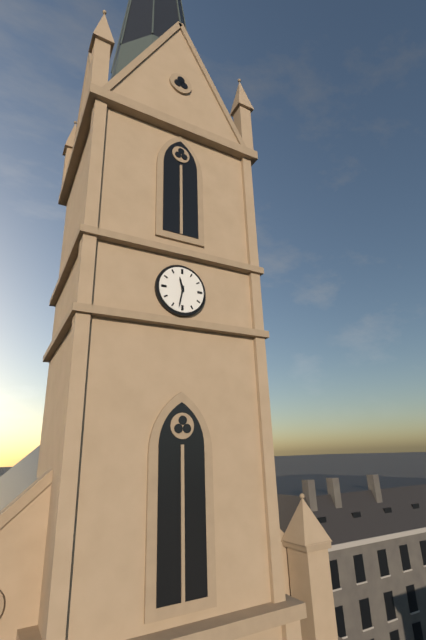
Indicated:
11,32
